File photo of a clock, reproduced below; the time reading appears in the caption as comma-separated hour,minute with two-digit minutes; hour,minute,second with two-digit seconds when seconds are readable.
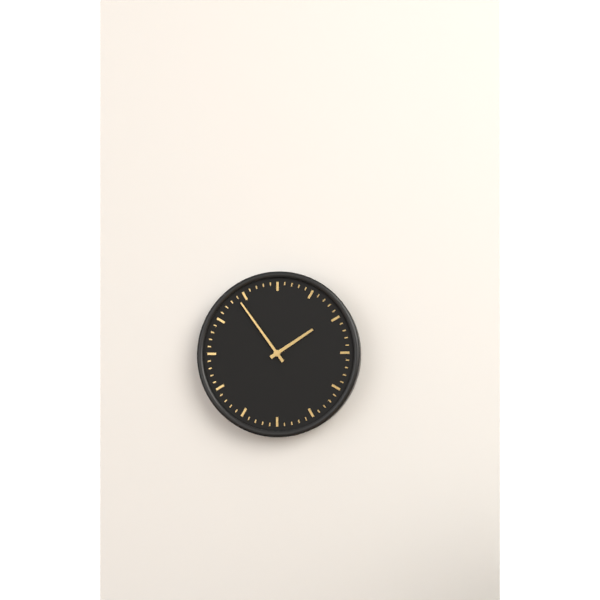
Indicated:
1,54
